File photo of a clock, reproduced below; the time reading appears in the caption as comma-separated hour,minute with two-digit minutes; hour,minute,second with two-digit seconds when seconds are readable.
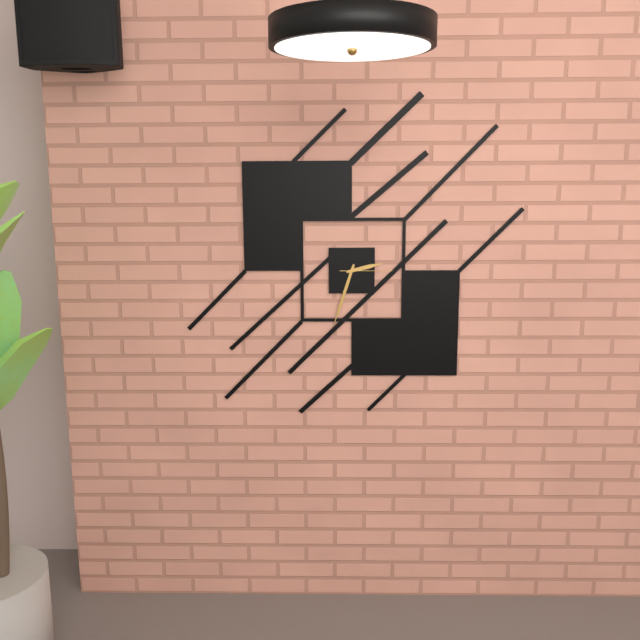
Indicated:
2,33,15
